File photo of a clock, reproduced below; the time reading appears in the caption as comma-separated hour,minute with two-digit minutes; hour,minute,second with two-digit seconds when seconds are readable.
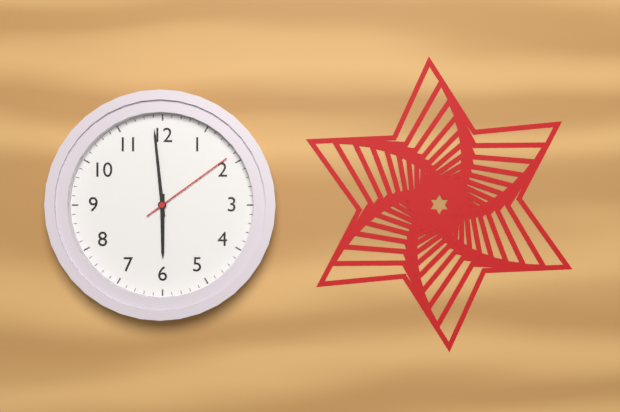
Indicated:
5,59,09
